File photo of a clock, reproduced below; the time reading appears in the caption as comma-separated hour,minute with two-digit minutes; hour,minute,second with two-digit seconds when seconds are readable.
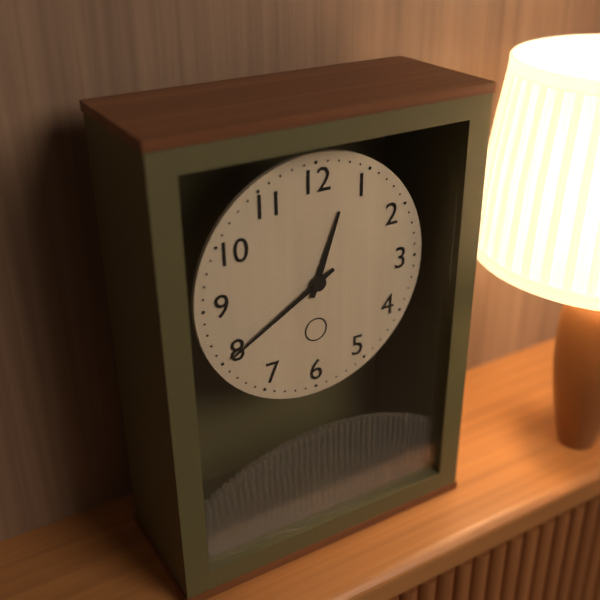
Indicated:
12,40
